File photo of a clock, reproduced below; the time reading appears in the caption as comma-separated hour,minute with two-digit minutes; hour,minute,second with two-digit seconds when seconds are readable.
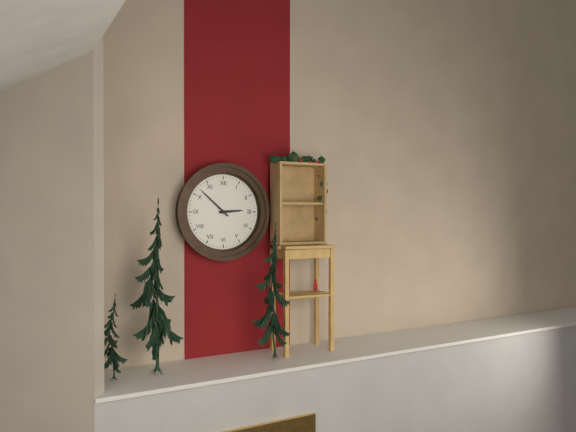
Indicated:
2,52
